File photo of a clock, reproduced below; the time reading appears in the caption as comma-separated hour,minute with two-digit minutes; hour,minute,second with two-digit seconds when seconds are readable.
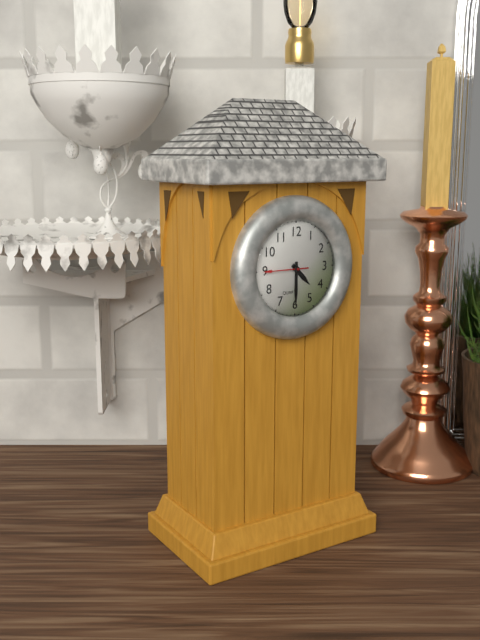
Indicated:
4,30
